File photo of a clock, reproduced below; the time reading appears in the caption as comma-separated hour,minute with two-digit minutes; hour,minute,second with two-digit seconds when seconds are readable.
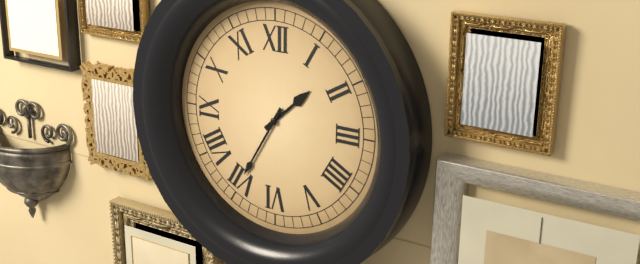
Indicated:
1,35
